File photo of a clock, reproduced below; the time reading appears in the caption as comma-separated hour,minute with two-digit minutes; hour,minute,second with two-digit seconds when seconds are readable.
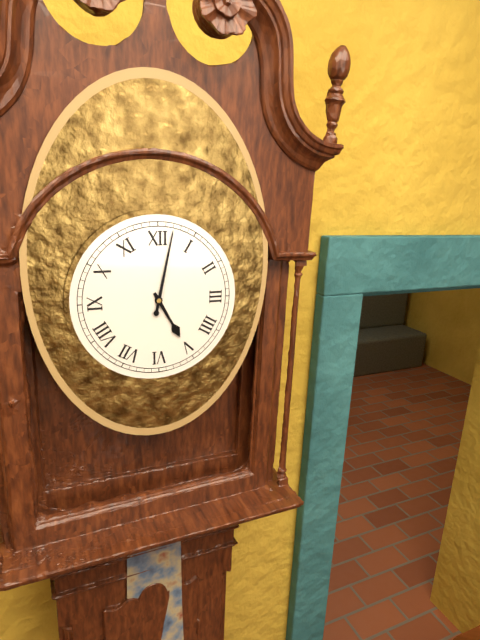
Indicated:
5,02
